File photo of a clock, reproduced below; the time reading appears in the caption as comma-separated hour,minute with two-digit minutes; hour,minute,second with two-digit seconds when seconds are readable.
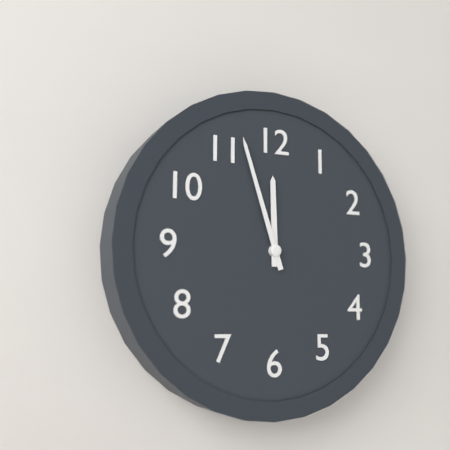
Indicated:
11,57
